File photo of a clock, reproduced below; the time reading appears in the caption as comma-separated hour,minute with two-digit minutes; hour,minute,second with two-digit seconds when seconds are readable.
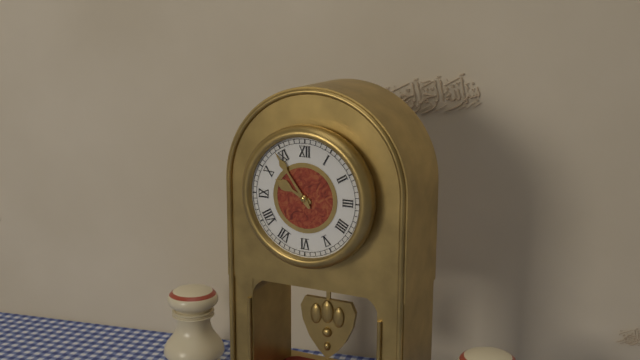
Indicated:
9,54
